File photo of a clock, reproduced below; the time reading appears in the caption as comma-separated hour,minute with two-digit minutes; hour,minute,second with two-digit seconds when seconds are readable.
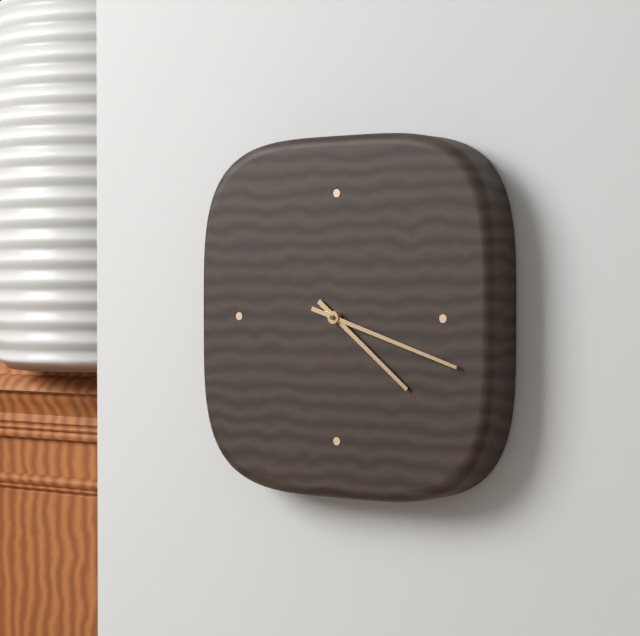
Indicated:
4,18
